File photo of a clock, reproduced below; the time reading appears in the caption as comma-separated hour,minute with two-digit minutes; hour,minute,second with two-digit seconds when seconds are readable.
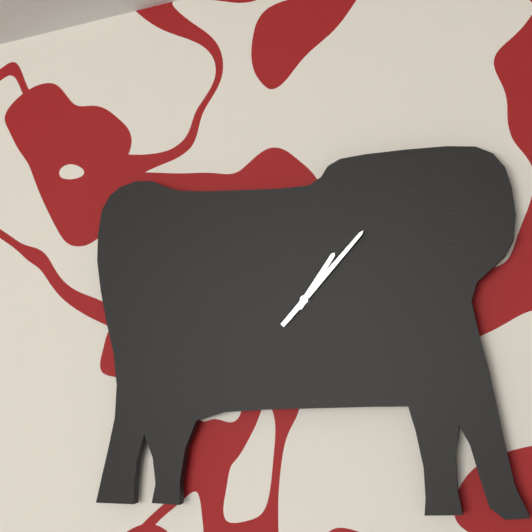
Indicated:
1,07
